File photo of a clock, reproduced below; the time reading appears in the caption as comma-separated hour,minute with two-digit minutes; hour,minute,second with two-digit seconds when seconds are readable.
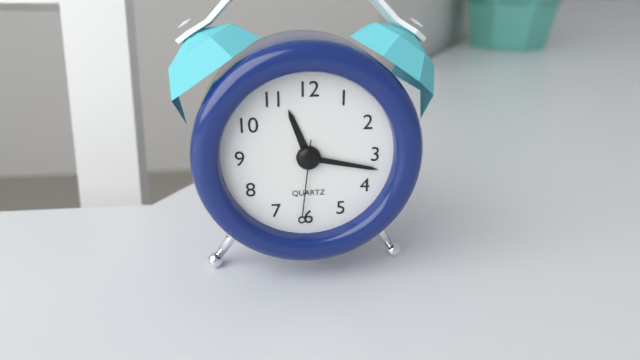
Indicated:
11,17,31
